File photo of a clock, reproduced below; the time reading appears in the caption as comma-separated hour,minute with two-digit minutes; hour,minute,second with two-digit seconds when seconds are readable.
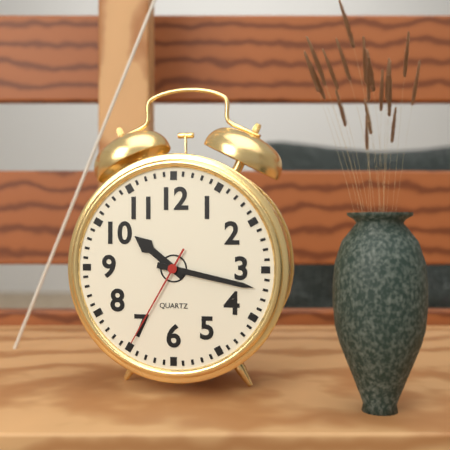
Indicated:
10,17,35
